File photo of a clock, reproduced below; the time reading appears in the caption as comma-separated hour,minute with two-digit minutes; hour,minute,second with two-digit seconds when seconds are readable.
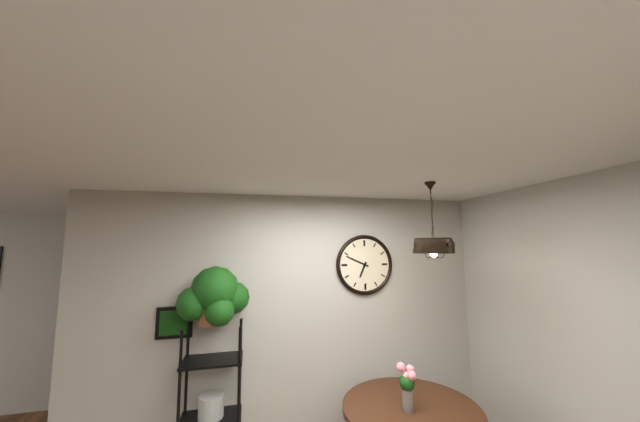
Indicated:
6,49
